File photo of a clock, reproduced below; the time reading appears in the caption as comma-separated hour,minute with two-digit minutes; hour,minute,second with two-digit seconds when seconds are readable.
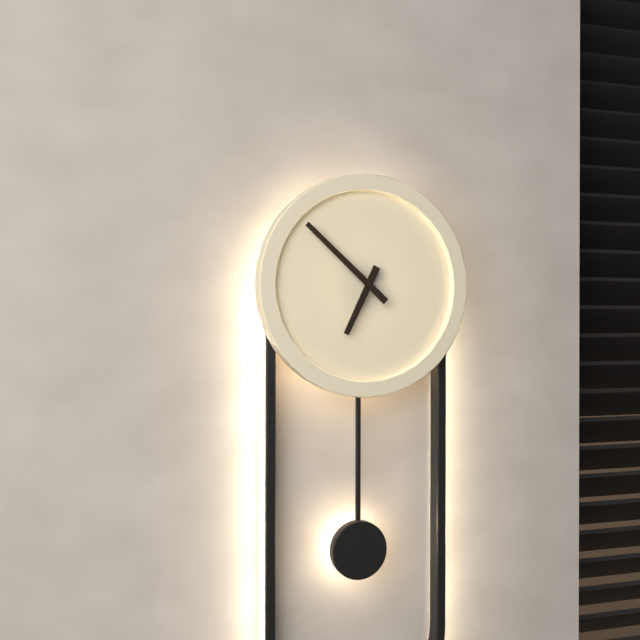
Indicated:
6,52
